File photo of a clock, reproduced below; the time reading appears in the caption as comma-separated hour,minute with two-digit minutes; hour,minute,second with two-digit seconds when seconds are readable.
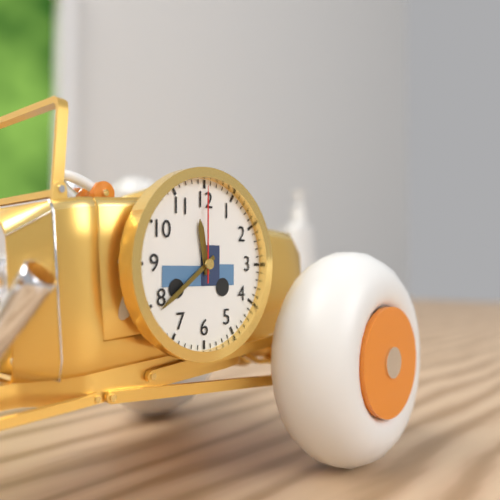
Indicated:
11,39,00
